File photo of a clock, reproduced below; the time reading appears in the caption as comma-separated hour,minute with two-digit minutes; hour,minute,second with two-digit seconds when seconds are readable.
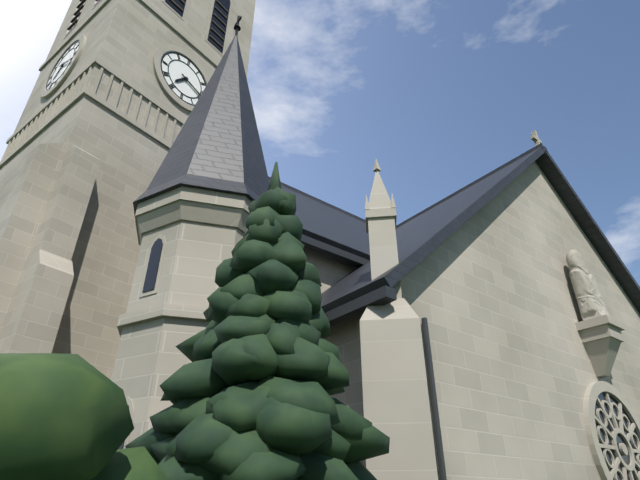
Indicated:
7,18
